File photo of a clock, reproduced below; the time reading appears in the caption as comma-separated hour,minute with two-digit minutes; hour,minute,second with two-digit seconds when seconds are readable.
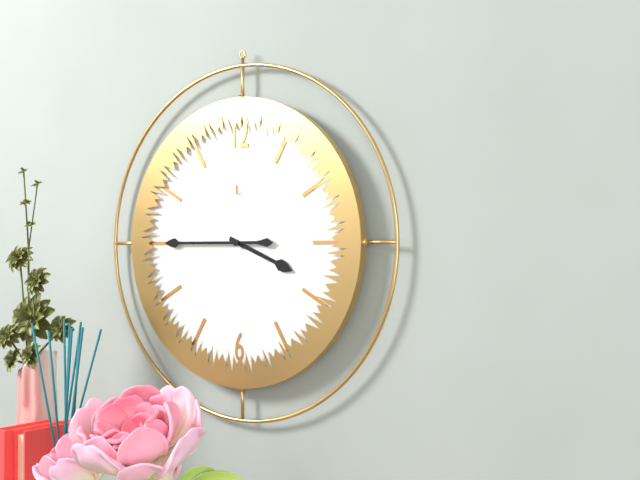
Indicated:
3,45
